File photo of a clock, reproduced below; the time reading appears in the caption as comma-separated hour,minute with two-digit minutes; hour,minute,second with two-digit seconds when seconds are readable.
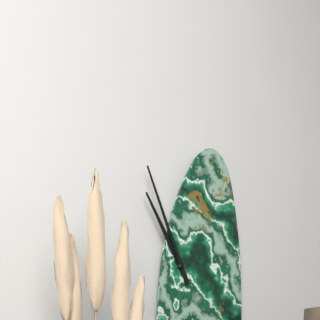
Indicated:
10,56
